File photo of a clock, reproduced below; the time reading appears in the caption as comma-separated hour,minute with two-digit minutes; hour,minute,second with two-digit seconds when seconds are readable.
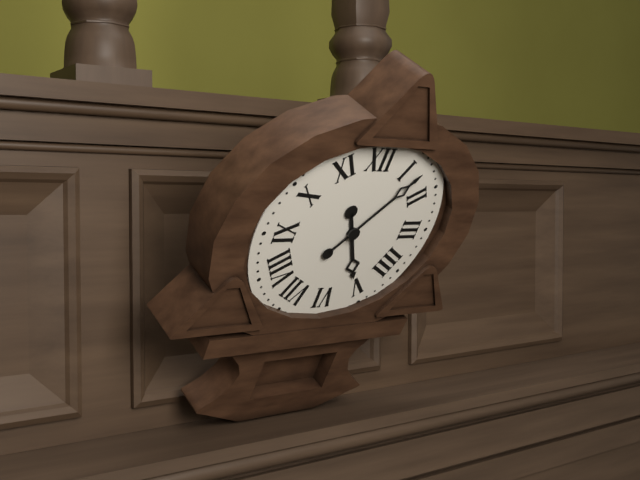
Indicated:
5,07
